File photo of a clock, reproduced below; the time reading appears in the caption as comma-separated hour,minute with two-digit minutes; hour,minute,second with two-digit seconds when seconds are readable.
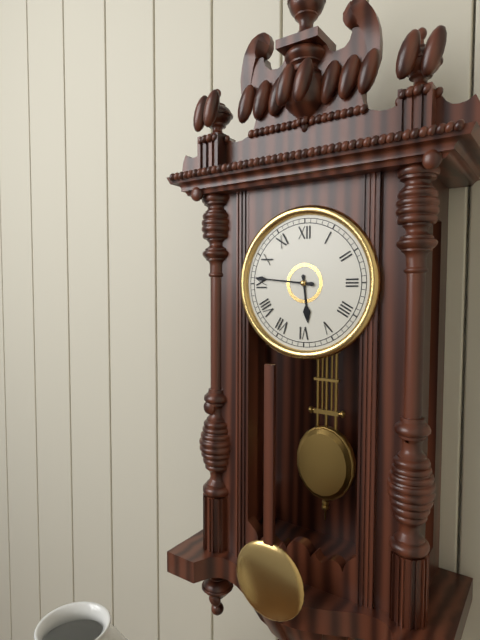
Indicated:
5,46
